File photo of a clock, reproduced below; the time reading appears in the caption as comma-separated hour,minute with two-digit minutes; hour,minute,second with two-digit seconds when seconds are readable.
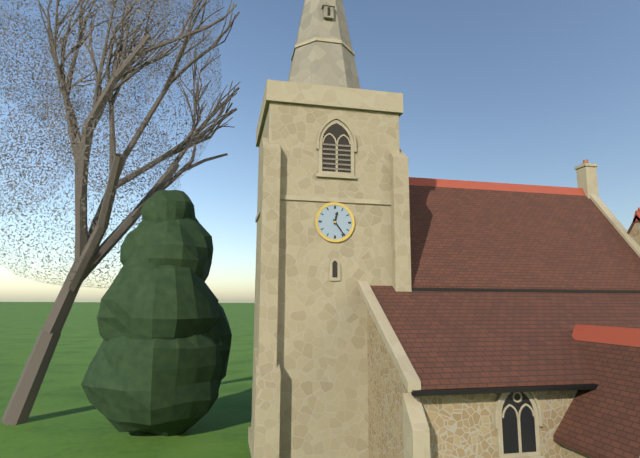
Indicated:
12,24
